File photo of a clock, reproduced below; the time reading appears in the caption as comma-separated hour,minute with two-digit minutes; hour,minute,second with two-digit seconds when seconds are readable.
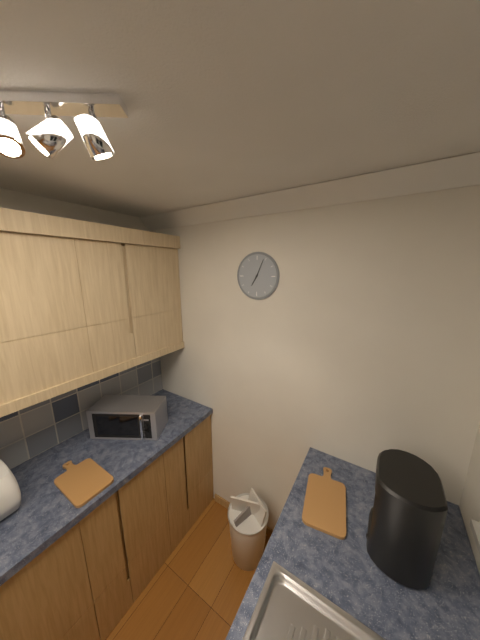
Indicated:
7,04
